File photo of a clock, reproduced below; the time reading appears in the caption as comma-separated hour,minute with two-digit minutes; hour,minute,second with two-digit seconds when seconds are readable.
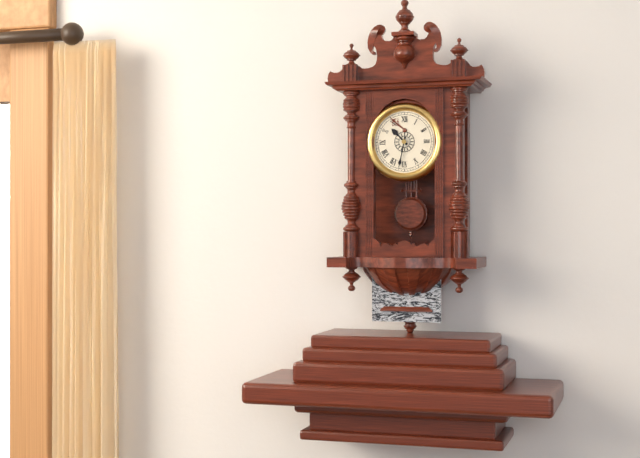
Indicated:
10,32
